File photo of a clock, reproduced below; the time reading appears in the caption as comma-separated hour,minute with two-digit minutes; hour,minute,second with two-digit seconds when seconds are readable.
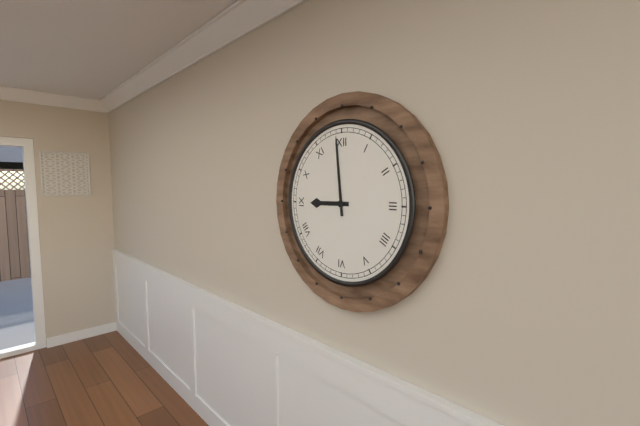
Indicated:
8,59
